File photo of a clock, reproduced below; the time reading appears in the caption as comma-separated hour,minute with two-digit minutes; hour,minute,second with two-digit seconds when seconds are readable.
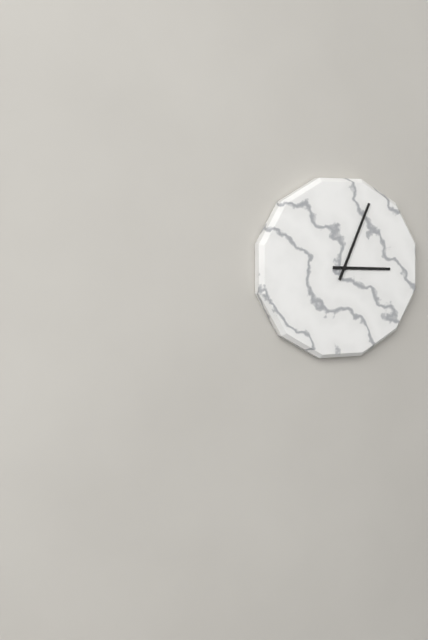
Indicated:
3,04
